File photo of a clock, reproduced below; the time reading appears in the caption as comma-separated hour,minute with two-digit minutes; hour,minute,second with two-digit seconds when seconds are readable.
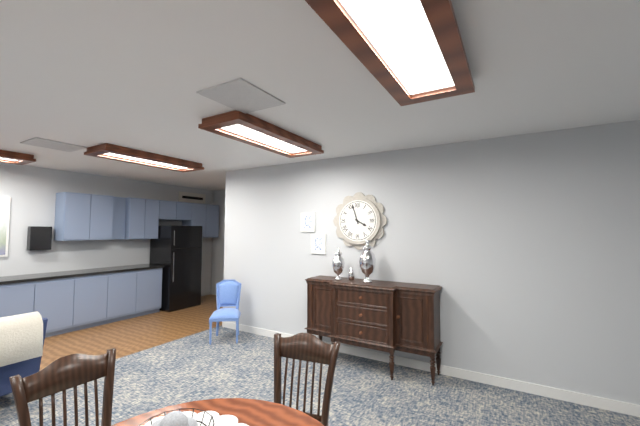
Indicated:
3,57
